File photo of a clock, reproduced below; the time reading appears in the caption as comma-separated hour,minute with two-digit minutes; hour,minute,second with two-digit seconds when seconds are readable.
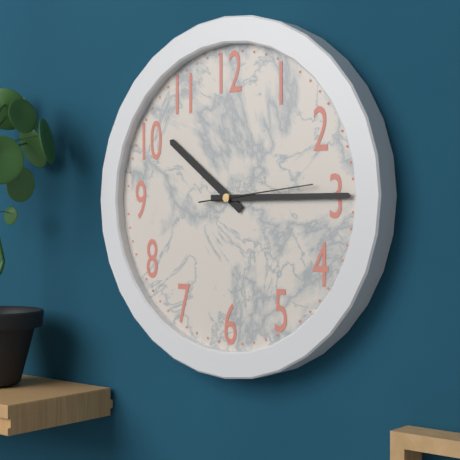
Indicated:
10,15,14
